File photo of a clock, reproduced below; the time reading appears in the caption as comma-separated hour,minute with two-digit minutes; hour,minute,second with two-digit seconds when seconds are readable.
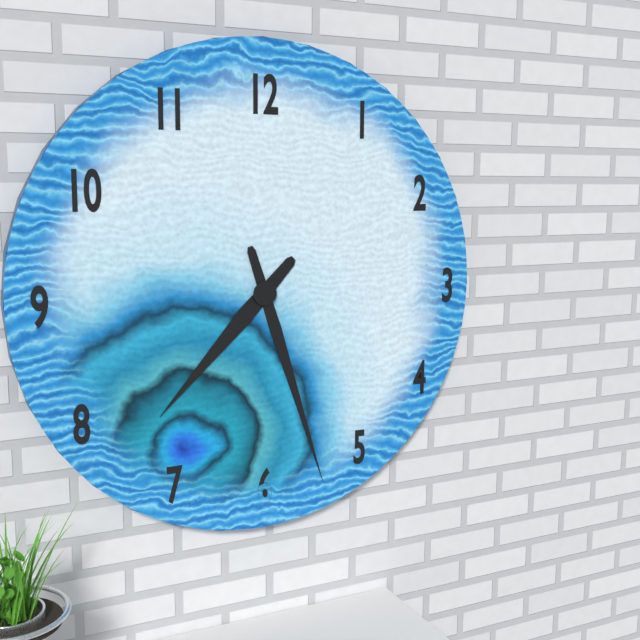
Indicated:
7,27
